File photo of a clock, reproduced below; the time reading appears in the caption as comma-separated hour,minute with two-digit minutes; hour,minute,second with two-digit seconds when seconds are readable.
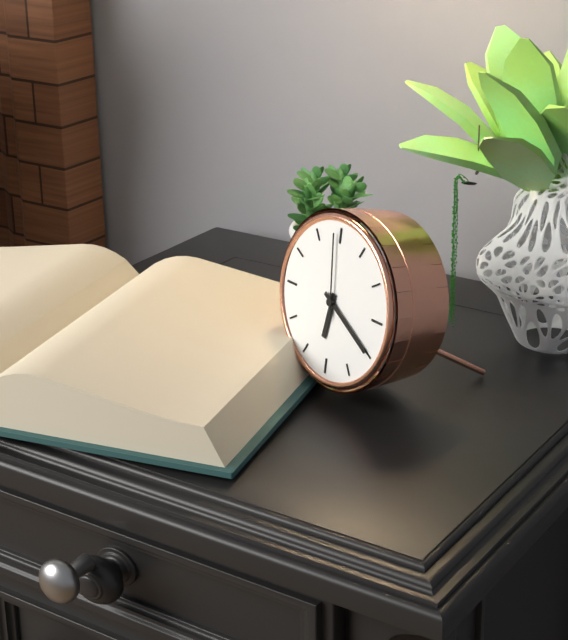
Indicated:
6,20,59
